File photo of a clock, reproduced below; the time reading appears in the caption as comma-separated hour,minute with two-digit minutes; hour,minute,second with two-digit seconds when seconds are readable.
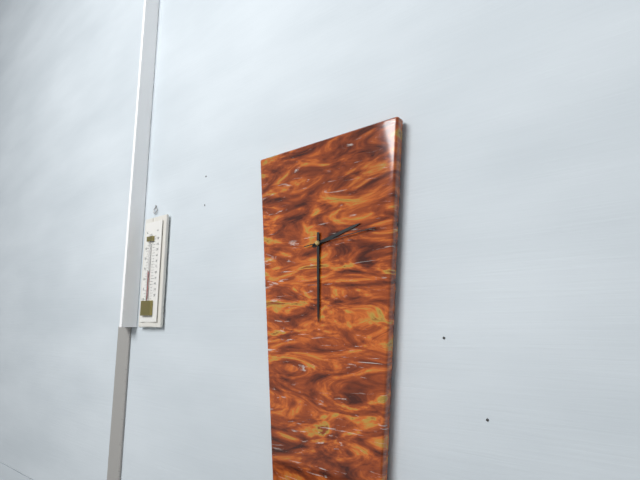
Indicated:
2,30,14
